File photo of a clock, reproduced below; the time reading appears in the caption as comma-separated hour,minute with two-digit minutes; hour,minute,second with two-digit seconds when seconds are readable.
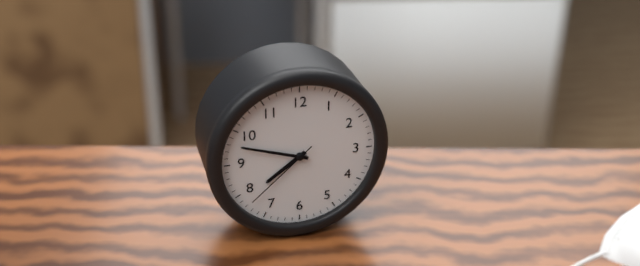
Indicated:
7,48,38
